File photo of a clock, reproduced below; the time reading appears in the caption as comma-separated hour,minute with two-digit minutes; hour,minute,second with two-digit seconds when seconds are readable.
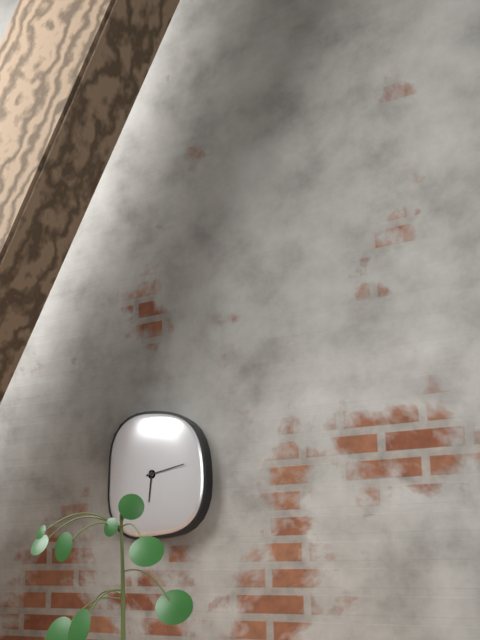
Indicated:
6,13
